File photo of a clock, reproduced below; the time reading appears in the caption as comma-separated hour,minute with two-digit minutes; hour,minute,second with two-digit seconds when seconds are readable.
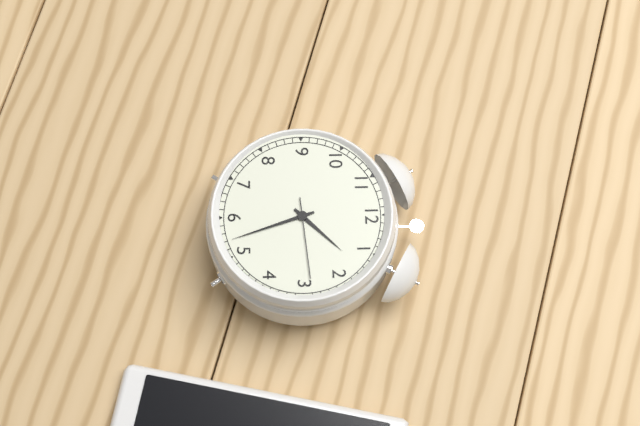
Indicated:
1,27,14
